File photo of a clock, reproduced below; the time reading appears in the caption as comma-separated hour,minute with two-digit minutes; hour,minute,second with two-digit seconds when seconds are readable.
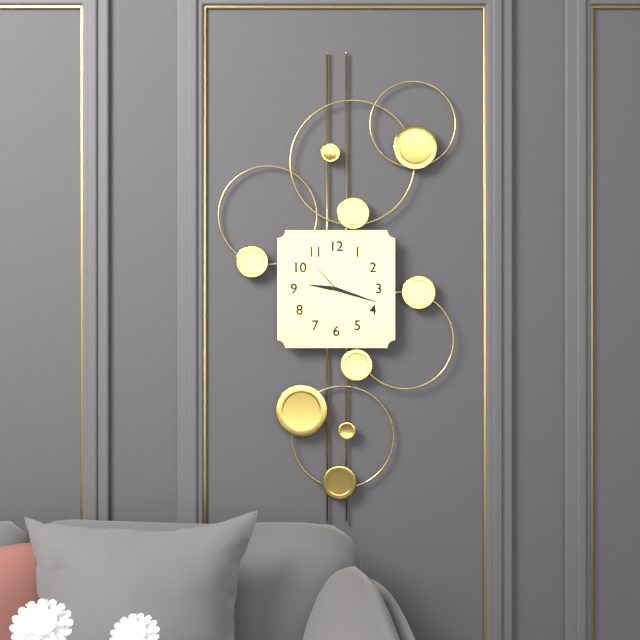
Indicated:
9,18
